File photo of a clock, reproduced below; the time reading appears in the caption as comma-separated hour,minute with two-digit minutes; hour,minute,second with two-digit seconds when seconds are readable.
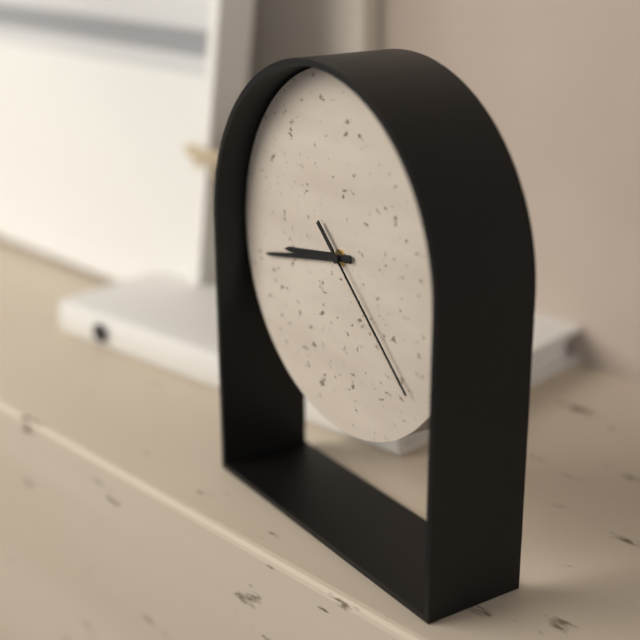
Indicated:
8,43,22
